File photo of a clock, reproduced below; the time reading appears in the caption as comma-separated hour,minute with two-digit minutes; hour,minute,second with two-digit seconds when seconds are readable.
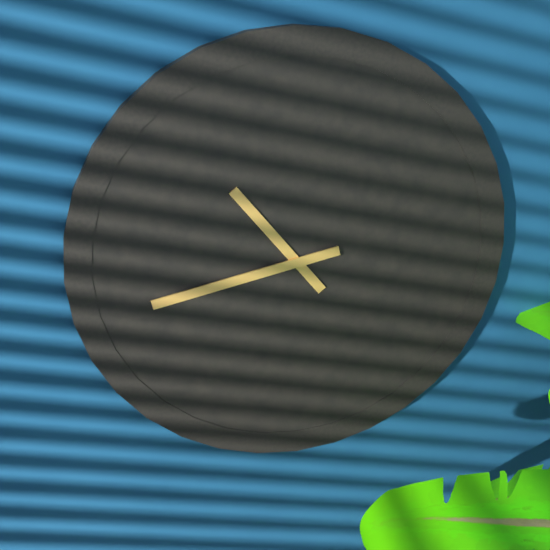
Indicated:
10,43
